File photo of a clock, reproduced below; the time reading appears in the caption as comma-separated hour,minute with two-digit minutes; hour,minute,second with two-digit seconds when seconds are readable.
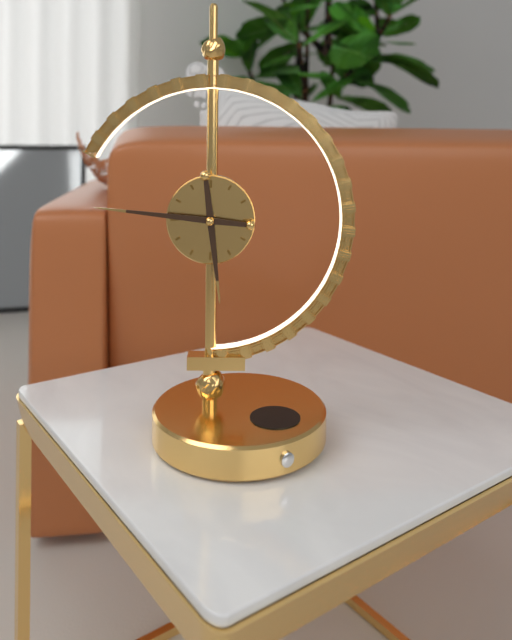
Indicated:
5,46
